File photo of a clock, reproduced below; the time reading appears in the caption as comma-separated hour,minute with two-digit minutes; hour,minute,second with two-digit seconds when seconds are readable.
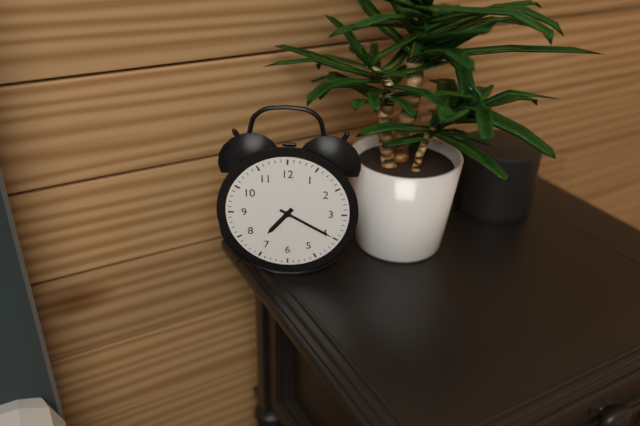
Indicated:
7,20
